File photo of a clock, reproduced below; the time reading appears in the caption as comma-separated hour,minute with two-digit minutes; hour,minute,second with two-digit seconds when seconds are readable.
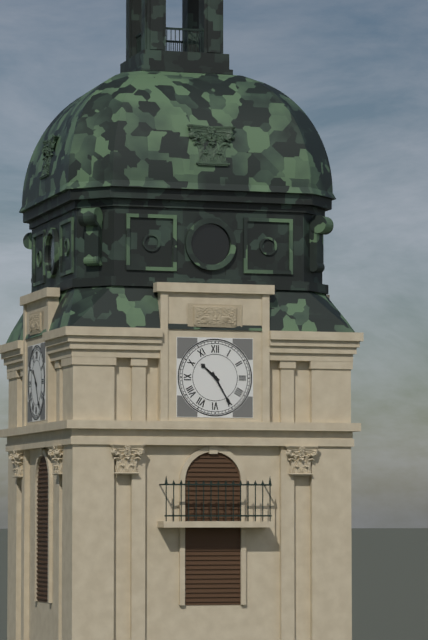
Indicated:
10,25
